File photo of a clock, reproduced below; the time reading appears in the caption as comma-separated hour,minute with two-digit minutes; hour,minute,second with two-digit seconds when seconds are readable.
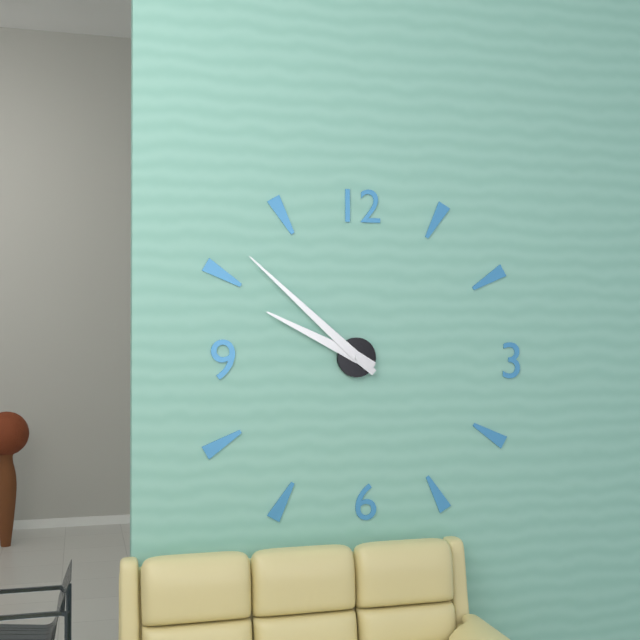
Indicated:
9,52
